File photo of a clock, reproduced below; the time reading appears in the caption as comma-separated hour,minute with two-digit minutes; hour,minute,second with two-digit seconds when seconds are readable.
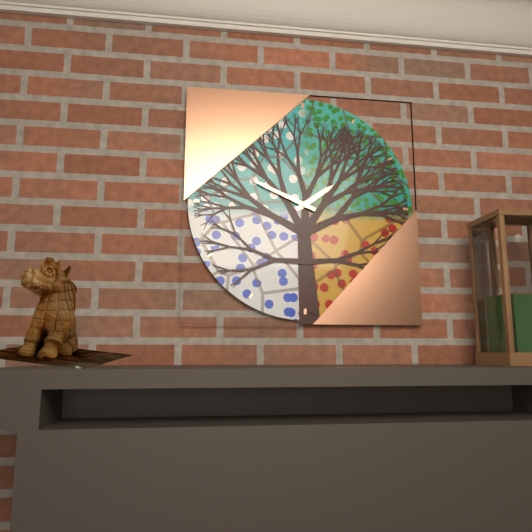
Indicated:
1,49
